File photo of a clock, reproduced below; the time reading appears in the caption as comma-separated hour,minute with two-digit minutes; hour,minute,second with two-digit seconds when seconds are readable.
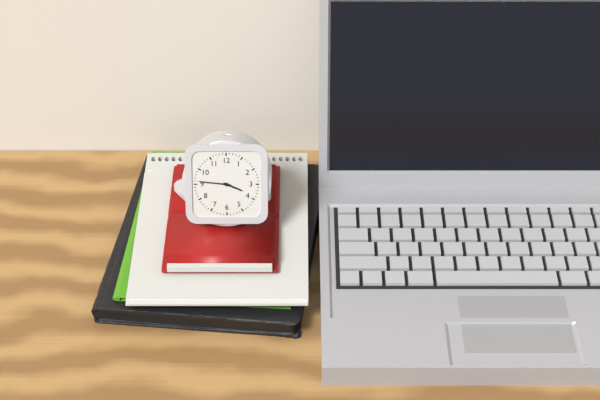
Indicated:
3,46
